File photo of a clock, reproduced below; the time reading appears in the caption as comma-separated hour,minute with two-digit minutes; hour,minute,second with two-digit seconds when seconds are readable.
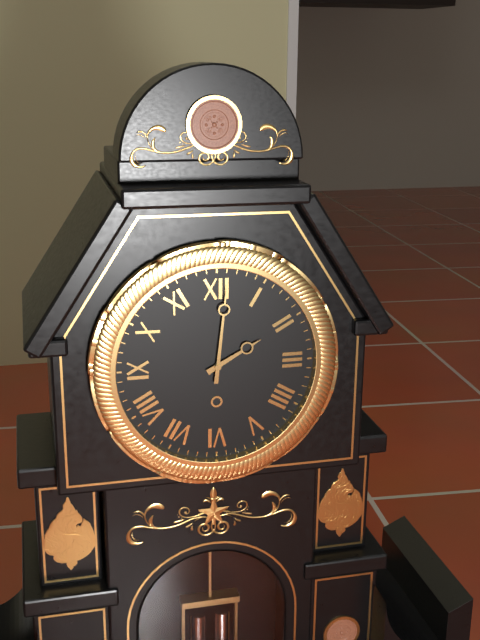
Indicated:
2,01
